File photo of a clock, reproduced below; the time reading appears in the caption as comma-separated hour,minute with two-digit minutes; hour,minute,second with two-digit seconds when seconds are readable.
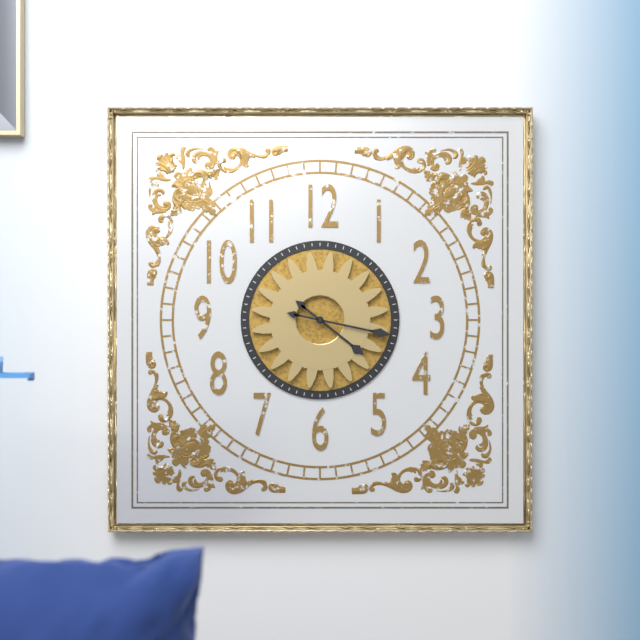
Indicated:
4,17
